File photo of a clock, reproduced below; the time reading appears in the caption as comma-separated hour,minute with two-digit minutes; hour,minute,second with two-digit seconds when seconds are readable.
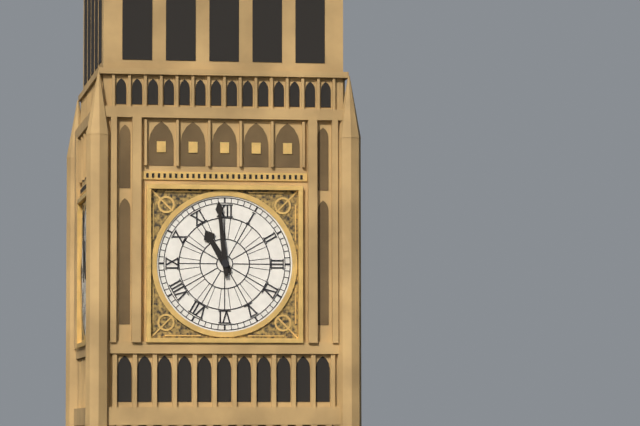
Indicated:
10,59
